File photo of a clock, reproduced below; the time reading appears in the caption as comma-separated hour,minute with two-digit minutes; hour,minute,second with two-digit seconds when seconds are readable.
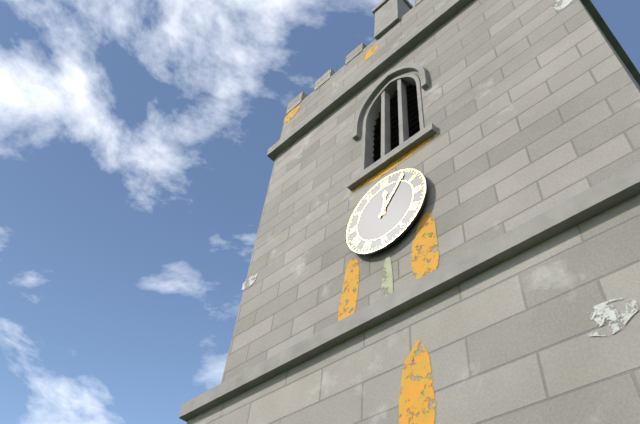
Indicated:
12,06
